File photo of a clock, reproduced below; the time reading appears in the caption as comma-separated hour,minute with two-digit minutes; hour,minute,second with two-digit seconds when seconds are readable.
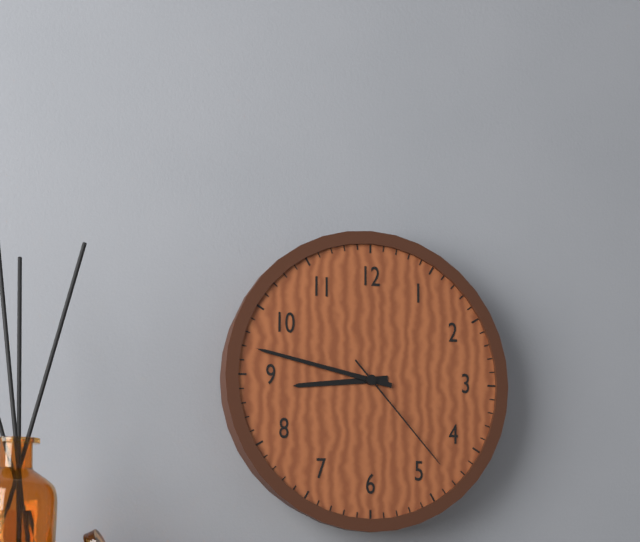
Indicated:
8,47,23
